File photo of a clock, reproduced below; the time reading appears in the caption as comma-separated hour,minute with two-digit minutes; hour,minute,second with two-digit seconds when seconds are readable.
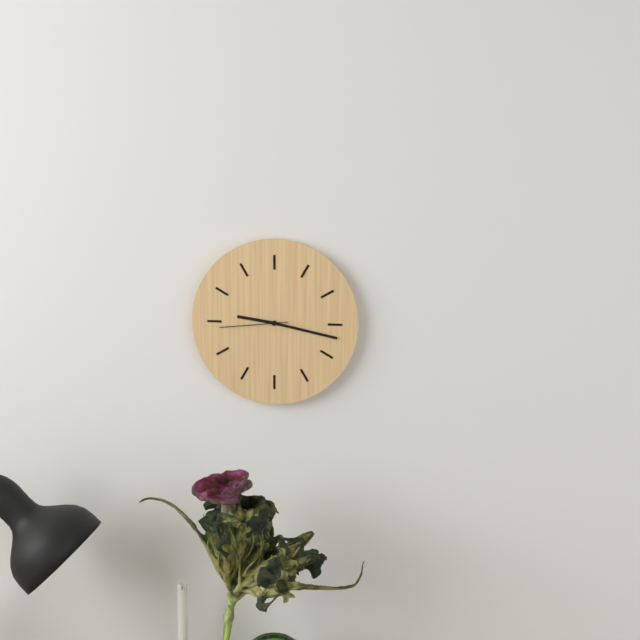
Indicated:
9,17,44
